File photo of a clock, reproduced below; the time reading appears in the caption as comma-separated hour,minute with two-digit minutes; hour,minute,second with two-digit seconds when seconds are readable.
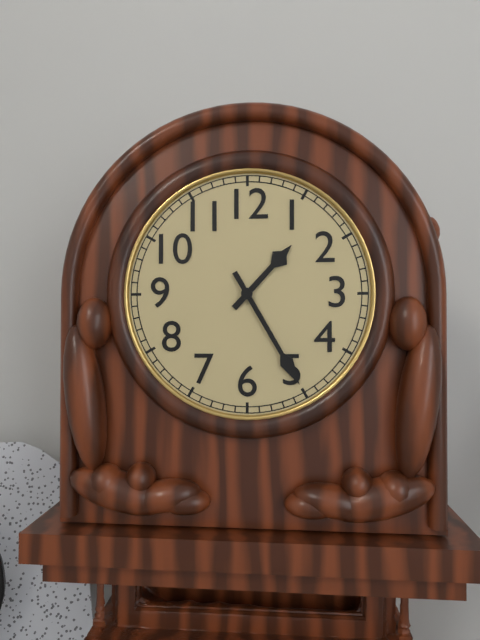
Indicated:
1,25
